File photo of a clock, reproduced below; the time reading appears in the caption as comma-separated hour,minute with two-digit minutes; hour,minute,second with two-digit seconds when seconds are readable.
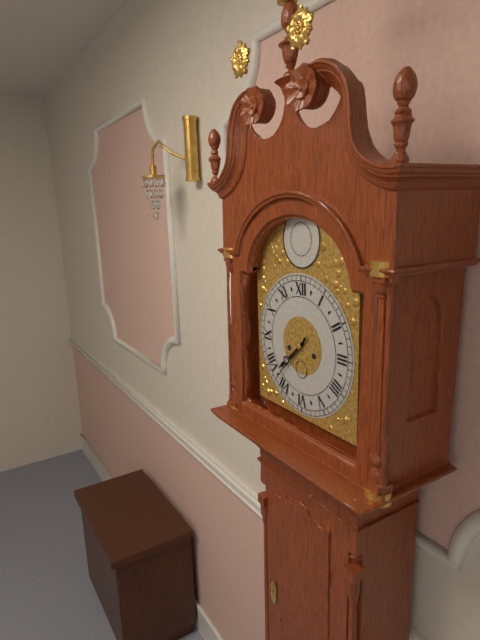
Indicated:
7,37
